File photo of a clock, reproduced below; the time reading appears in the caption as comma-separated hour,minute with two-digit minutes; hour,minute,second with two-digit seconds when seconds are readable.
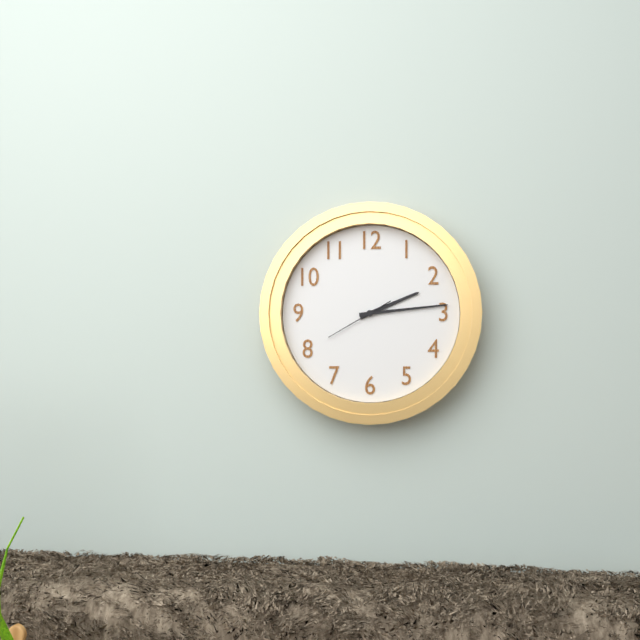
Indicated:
2,14,40
